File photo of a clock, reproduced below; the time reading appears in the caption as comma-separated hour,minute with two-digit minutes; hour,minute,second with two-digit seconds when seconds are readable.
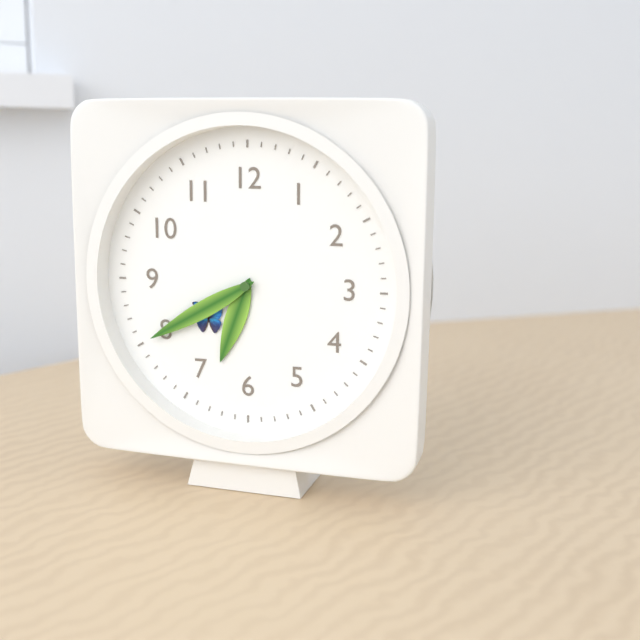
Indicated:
6,40
